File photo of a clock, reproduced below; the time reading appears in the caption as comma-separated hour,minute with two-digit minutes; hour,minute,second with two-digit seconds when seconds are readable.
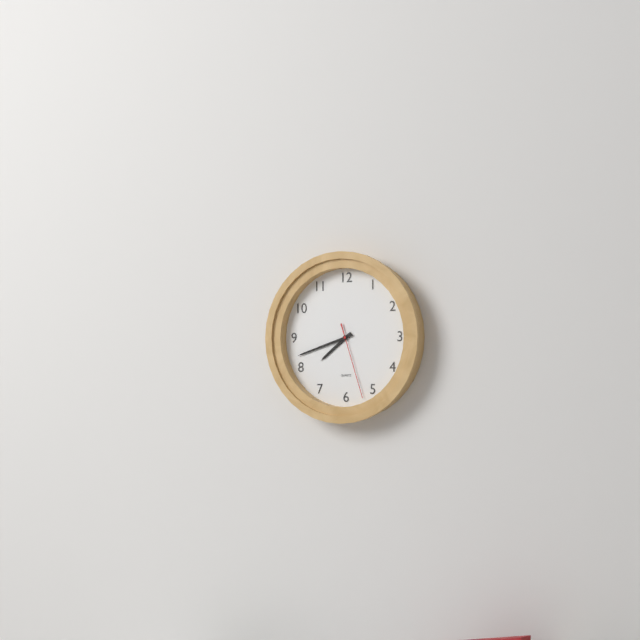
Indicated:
7,42,27
